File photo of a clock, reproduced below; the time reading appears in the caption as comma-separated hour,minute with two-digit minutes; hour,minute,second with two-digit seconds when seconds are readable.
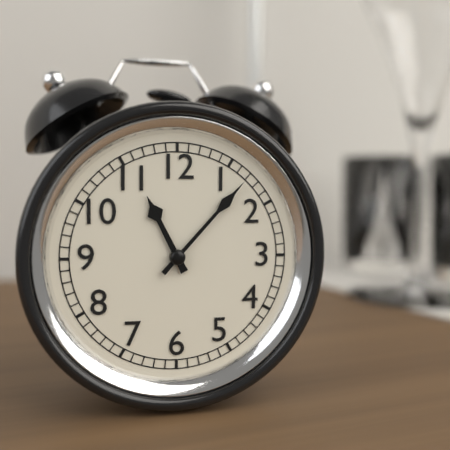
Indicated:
11,07
